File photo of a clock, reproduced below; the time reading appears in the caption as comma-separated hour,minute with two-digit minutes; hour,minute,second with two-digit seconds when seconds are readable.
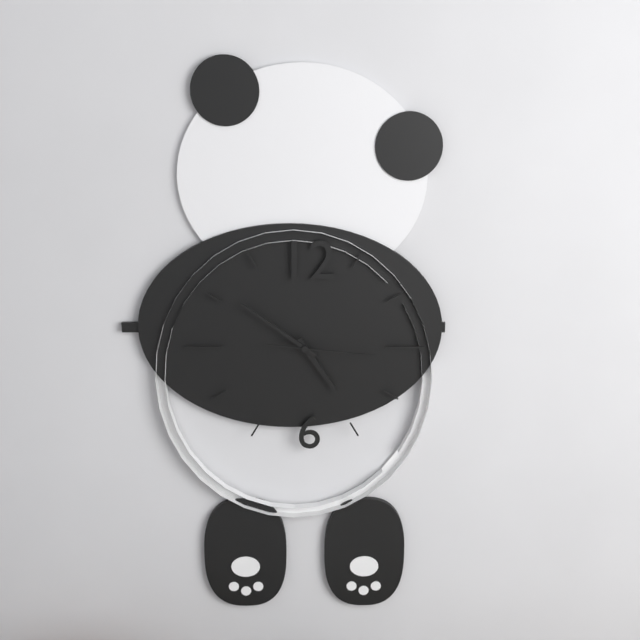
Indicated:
4,51,16
